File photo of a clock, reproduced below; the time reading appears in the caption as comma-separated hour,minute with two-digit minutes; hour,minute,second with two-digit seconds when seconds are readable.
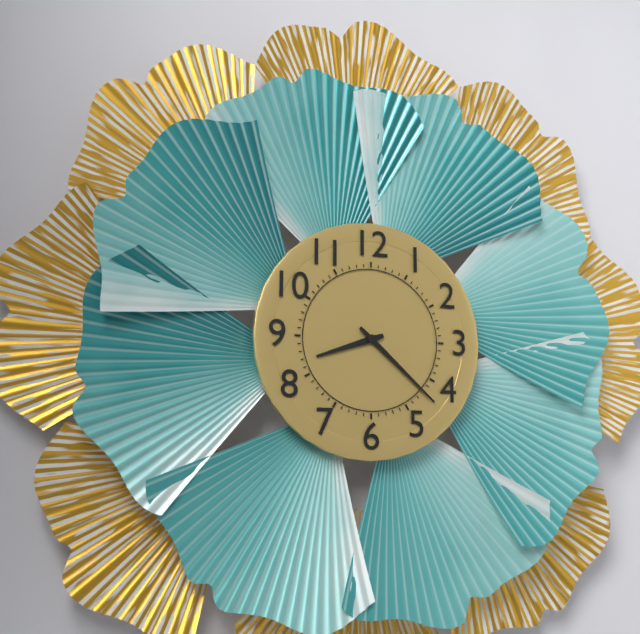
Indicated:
8,22
